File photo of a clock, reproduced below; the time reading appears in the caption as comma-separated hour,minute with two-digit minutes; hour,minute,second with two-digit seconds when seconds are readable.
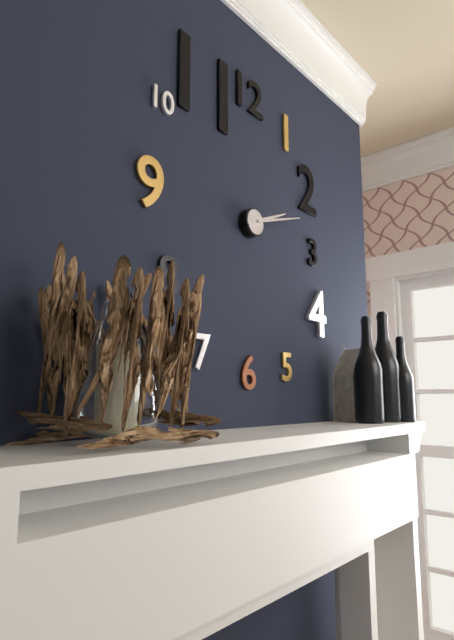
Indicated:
2,12
